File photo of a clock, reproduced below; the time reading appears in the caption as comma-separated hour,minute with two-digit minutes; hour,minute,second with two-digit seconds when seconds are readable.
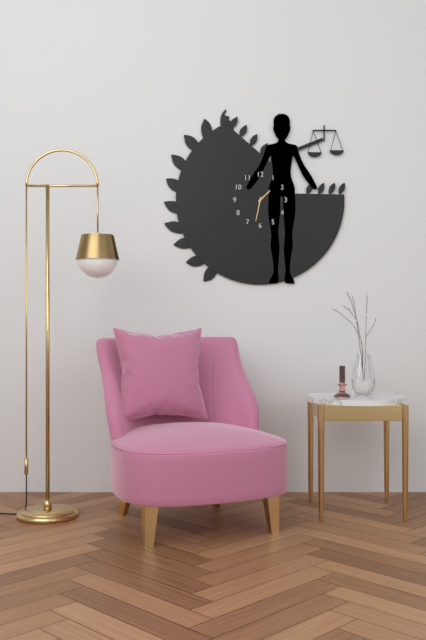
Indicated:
1,32
